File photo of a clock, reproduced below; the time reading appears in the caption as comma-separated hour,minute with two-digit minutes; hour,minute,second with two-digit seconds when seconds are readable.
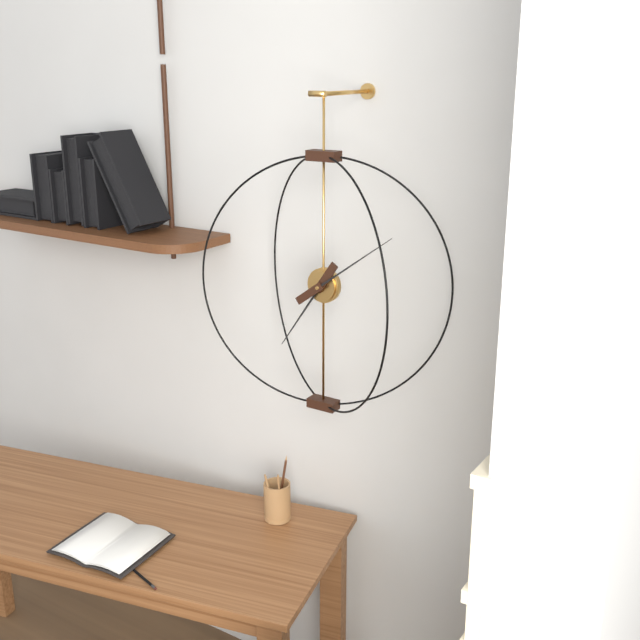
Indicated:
7,09
